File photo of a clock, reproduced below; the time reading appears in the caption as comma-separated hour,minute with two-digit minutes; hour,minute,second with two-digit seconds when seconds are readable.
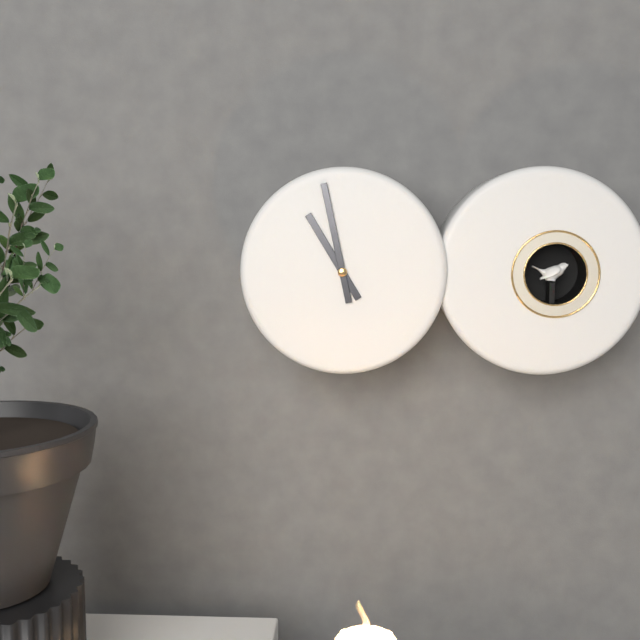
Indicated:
10,58
